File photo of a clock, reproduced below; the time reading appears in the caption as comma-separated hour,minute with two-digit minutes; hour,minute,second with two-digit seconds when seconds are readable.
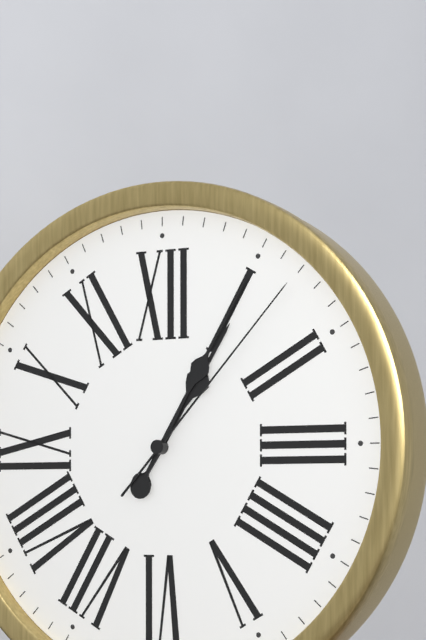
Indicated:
1,05,07
